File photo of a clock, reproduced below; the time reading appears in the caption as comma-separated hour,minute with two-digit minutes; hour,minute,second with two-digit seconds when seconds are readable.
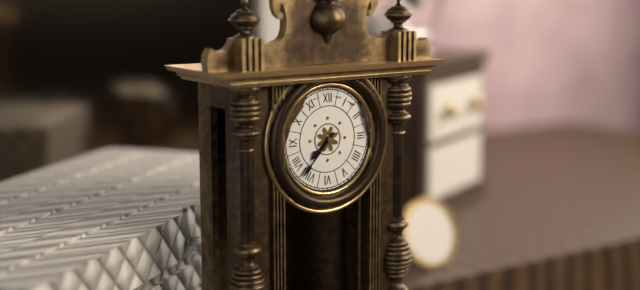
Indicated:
7,37
